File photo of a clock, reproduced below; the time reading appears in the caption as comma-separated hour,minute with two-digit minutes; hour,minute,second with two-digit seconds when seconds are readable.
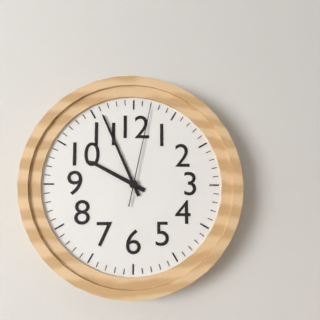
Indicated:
9,56,02
